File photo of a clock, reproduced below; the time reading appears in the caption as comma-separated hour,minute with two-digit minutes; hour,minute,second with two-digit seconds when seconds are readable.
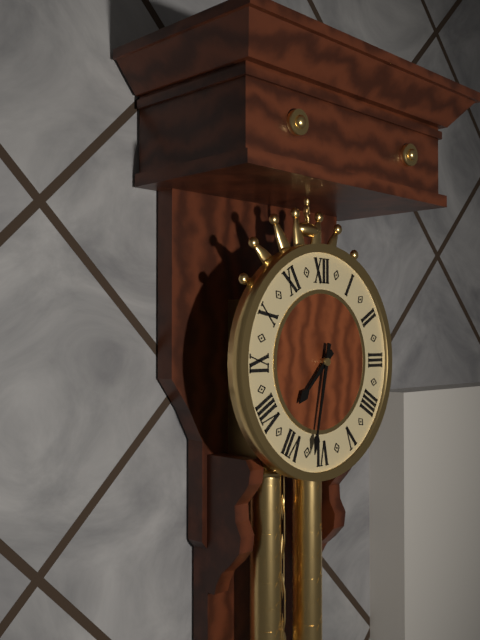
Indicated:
7,32
